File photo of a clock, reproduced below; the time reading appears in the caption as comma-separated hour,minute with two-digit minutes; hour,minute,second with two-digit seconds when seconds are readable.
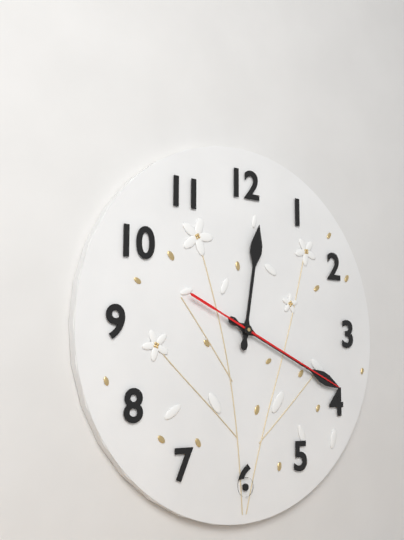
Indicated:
12,19,19
